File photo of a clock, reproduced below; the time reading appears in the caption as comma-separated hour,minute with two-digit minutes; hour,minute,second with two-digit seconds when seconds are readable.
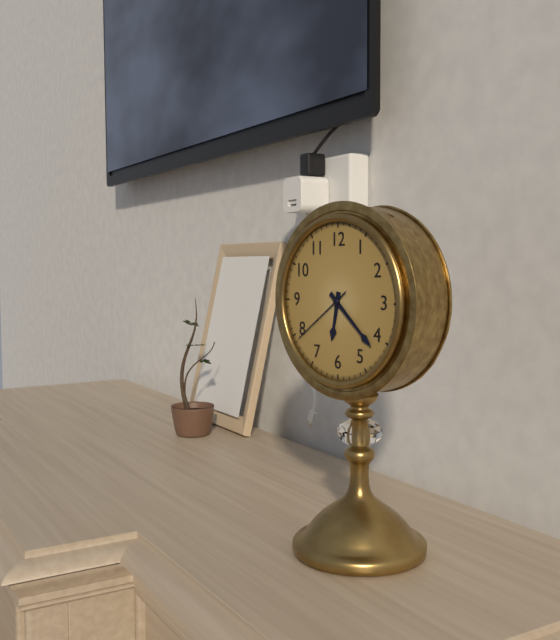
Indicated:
6,22,39
